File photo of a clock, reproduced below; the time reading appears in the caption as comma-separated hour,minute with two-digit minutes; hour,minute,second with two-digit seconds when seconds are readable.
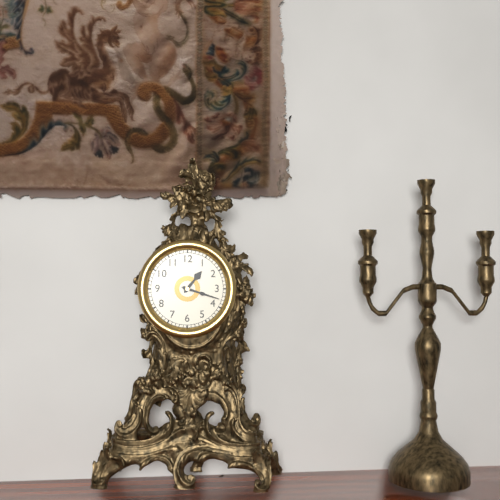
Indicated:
1,18
